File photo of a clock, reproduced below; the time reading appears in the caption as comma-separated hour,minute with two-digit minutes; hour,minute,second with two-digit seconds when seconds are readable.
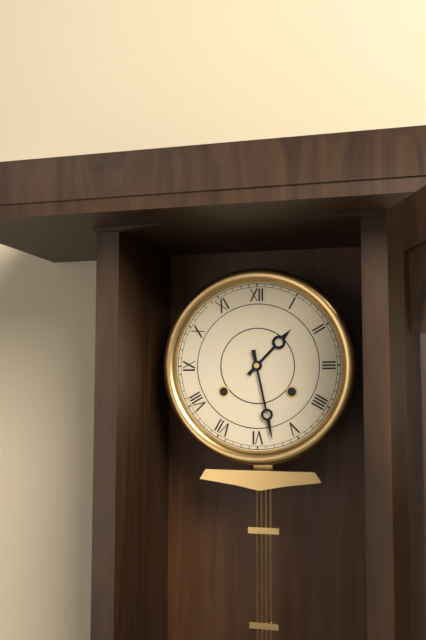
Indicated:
1,28
